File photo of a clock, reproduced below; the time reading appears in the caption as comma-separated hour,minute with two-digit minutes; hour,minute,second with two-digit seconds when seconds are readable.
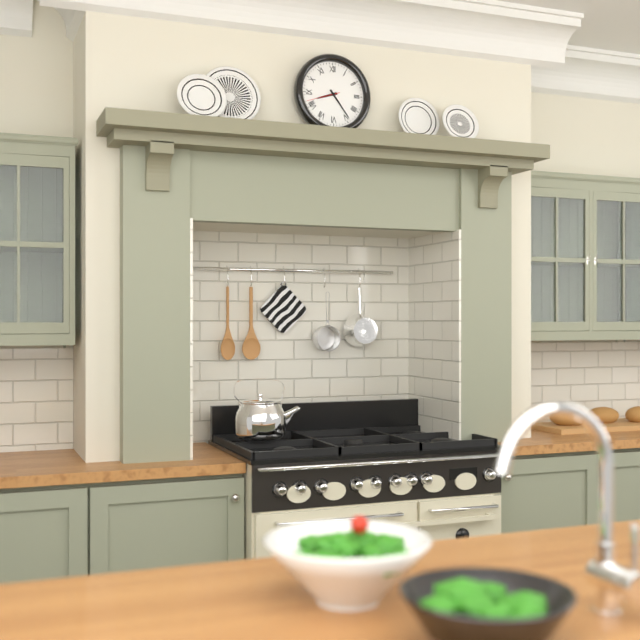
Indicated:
8,24
